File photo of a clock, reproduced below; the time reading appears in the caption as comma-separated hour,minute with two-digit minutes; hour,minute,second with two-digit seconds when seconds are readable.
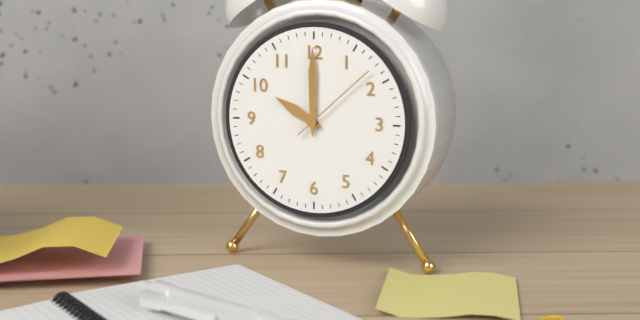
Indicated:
10,00,08
